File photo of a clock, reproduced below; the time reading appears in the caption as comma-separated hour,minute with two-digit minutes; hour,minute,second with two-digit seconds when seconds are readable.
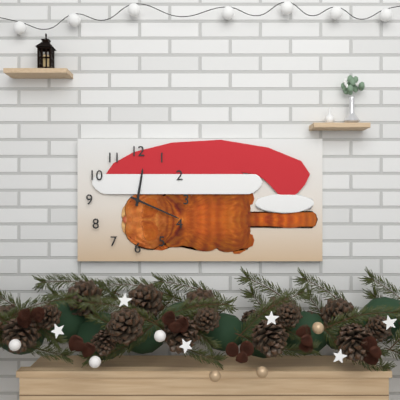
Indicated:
12,19
